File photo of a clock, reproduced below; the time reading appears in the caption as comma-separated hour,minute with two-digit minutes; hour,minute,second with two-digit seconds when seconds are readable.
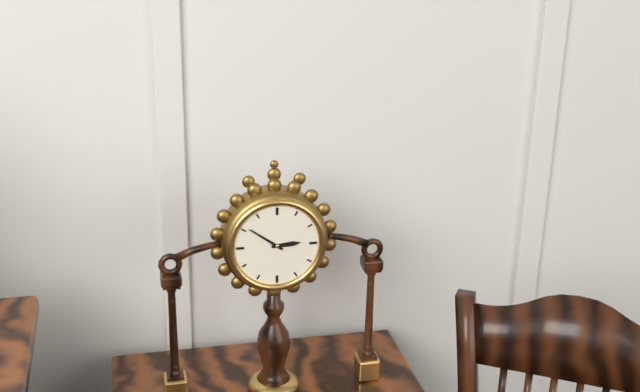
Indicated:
2,51
